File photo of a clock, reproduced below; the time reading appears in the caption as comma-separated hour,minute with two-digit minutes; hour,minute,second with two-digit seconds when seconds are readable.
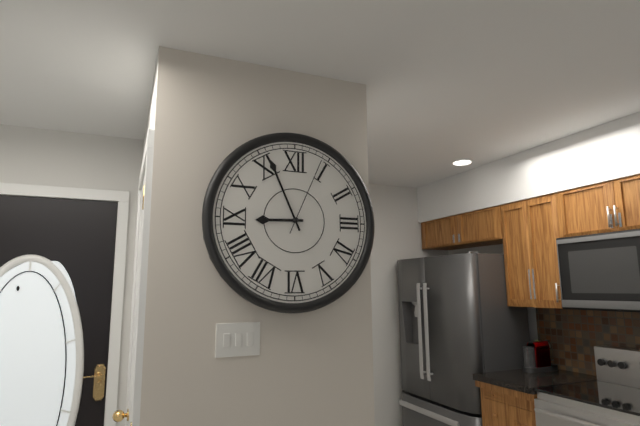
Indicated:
8,56,04
